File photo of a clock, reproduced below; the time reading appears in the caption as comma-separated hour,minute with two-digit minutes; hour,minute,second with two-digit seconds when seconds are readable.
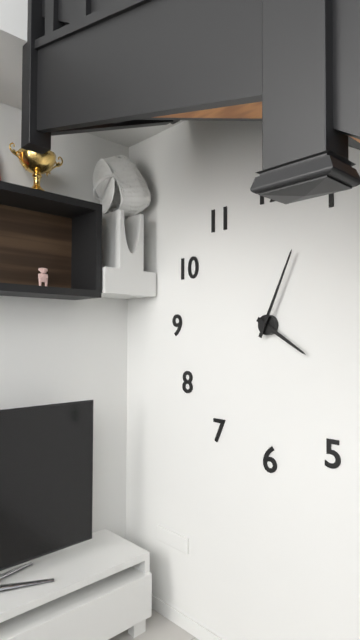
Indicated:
4,04
